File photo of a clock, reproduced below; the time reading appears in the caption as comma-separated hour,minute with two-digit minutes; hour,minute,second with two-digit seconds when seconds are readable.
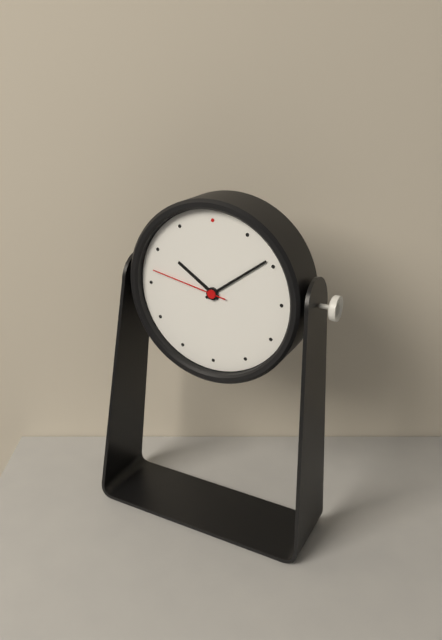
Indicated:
10,09,47
